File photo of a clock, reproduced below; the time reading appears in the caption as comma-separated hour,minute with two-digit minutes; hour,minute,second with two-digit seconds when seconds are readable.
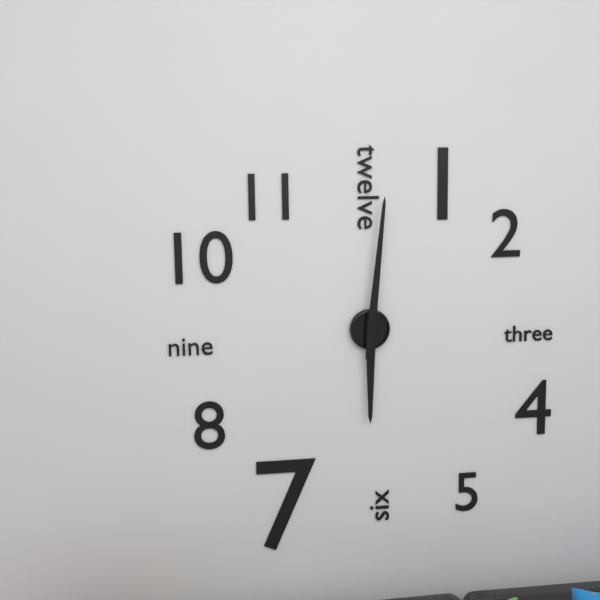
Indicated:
6,01
